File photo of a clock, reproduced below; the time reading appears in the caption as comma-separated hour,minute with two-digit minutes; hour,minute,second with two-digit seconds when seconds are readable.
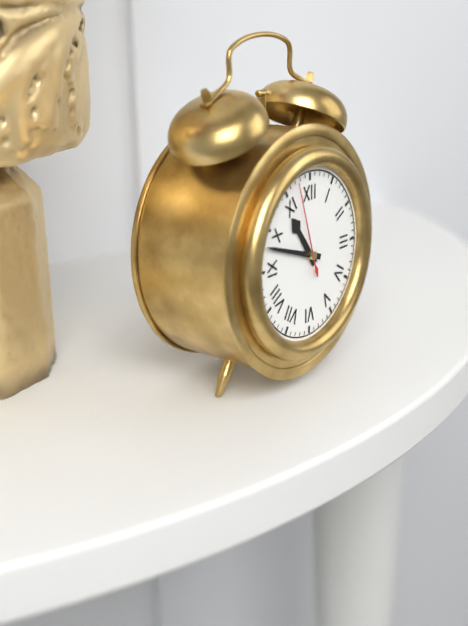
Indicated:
10,48,57
